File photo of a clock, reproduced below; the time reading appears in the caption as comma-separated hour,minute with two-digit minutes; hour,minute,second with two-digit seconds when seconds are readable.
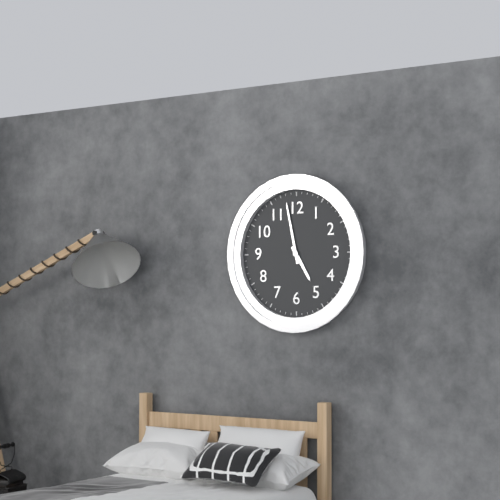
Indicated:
4,58
